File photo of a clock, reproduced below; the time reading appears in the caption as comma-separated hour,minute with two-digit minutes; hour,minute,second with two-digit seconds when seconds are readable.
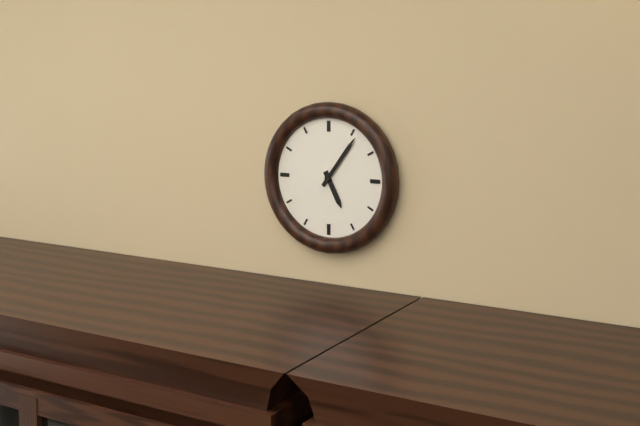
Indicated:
5,06
